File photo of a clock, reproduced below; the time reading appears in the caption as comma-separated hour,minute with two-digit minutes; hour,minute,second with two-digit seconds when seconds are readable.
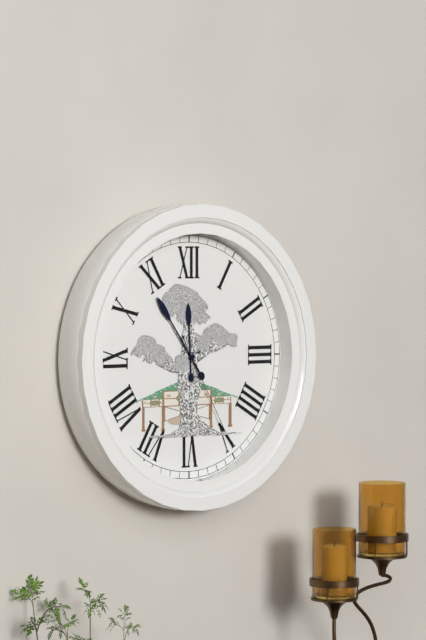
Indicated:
11,54,25
